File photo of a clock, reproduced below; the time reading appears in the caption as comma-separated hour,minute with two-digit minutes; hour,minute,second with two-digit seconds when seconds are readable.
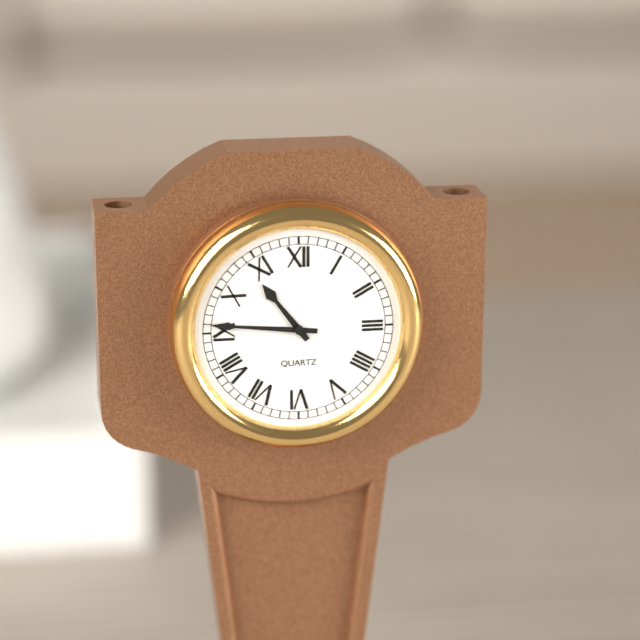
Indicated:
10,46
